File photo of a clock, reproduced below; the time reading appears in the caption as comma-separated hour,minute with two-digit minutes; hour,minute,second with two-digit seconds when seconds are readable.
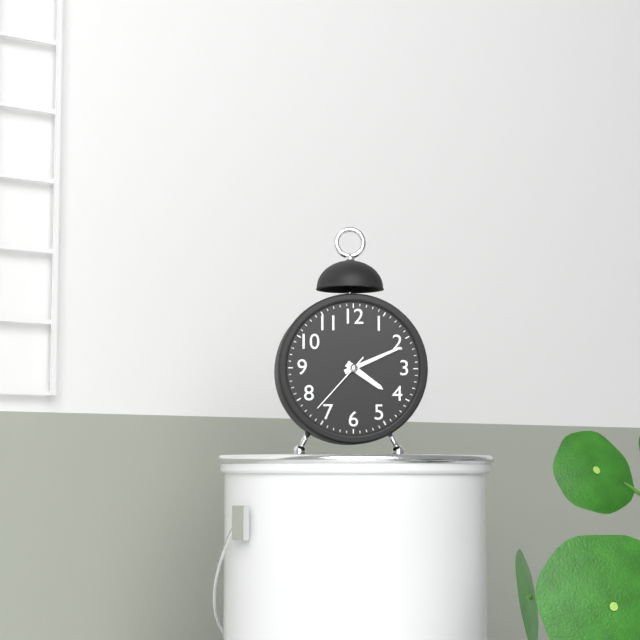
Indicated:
4,11,37
